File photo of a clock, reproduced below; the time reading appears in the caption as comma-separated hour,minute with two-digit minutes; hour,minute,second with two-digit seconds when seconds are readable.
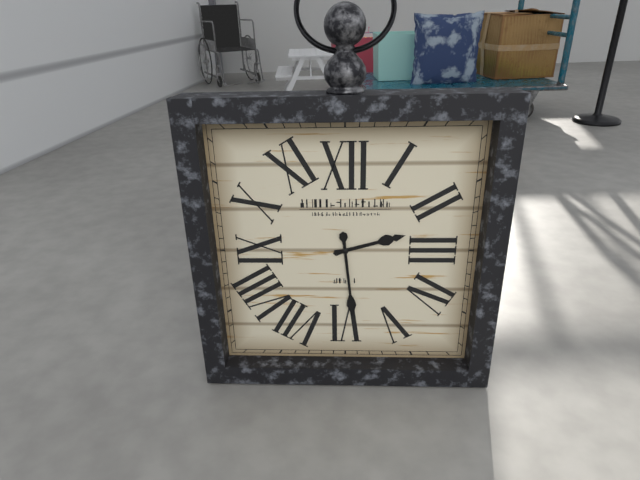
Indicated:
2,29
